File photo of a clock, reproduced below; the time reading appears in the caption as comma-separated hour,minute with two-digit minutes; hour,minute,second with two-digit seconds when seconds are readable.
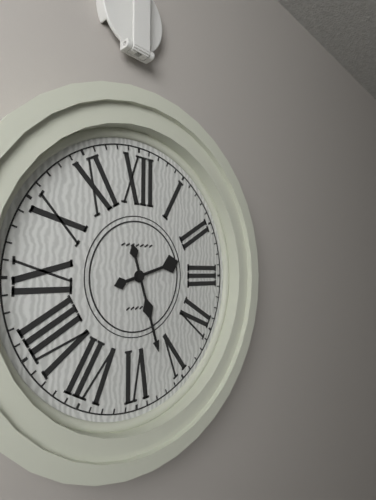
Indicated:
2,27
